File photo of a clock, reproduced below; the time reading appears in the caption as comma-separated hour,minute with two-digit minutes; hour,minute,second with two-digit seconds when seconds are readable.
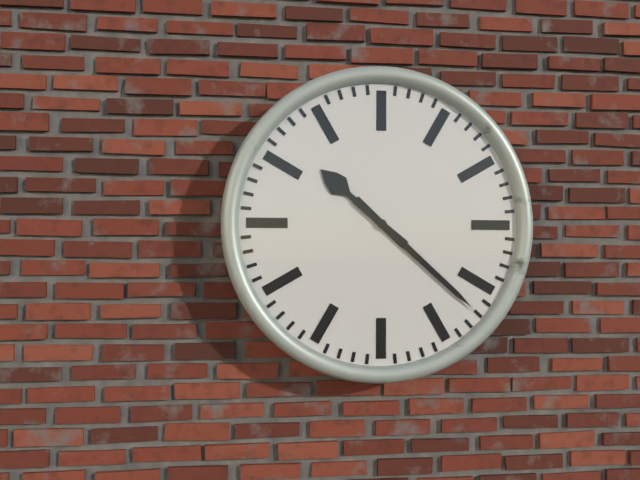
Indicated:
10,22
